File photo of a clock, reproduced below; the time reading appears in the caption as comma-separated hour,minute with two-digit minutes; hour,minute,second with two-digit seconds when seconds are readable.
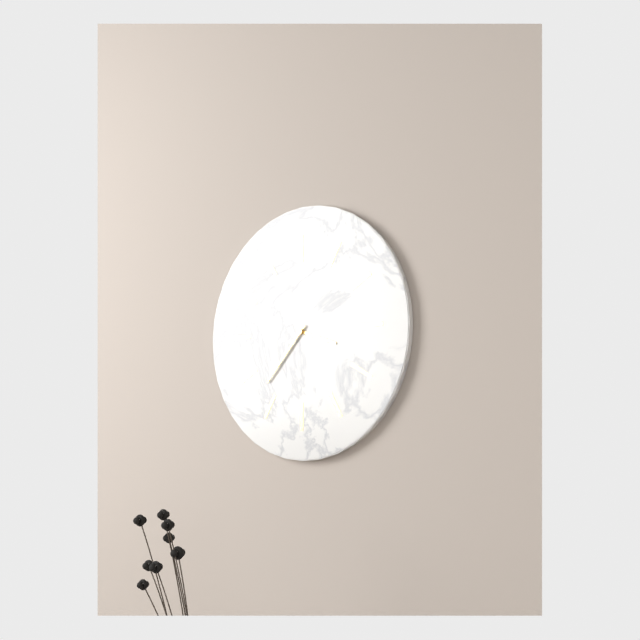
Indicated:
3,37
